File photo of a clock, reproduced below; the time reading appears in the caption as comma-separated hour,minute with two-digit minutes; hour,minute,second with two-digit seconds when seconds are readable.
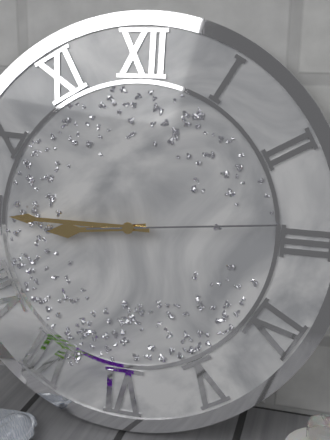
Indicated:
8,45,14
